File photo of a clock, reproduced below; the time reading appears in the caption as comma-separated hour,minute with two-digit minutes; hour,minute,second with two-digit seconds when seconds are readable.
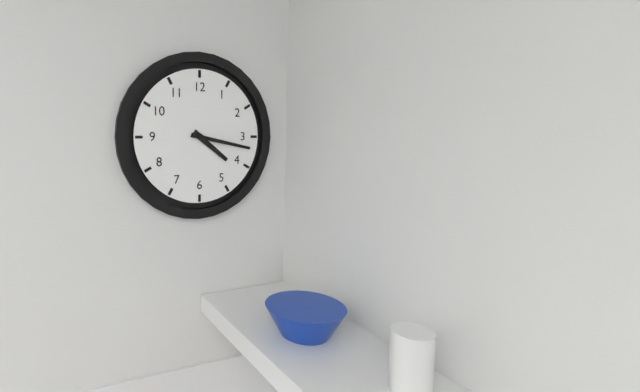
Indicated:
4,17
